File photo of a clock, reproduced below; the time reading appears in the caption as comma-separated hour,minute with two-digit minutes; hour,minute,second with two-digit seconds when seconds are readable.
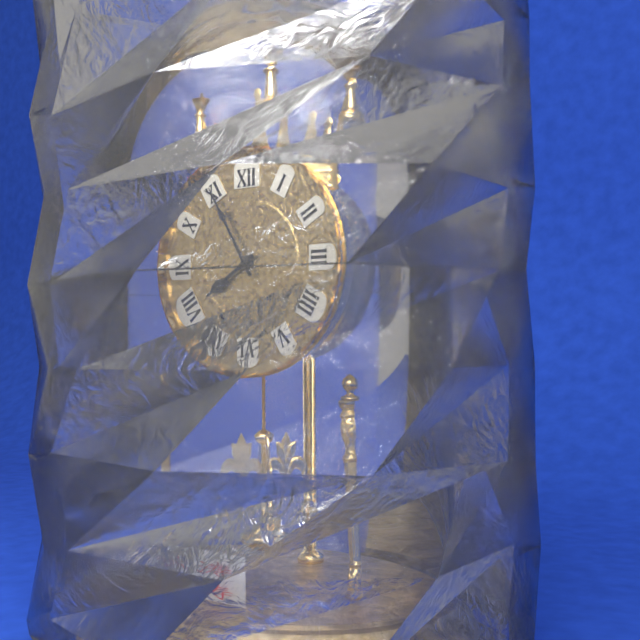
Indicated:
7,55
